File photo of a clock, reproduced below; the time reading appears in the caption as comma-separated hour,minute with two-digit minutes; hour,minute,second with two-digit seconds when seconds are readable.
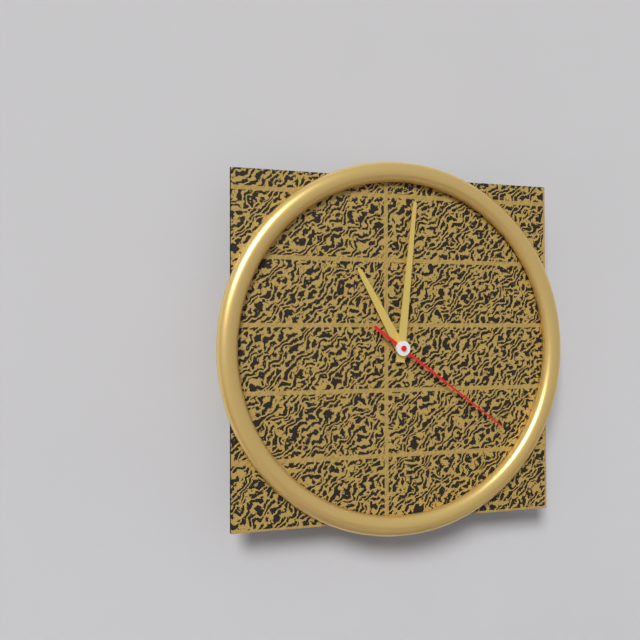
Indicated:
11,01,21
